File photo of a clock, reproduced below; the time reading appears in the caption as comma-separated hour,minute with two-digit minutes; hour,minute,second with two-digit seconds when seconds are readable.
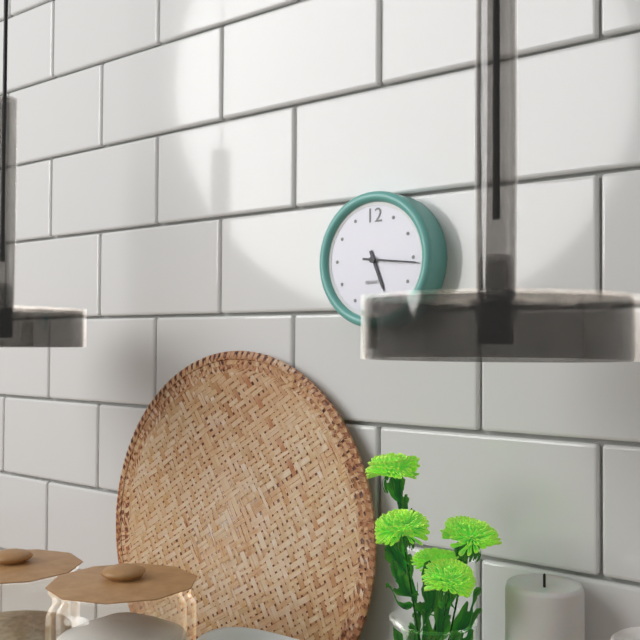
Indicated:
5,16
